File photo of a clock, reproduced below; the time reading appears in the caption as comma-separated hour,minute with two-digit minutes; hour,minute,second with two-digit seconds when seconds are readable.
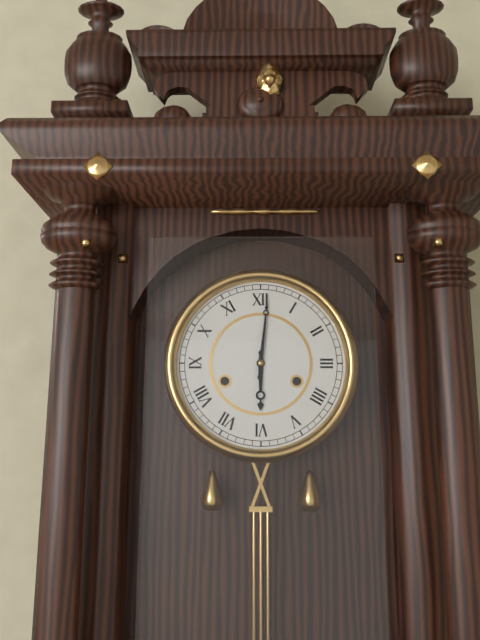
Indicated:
6,01
